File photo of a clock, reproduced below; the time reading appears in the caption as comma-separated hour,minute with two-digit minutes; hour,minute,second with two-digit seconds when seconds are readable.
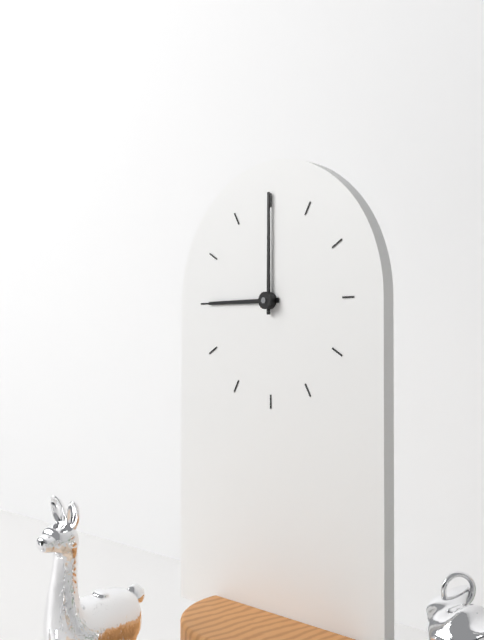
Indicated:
9,00
